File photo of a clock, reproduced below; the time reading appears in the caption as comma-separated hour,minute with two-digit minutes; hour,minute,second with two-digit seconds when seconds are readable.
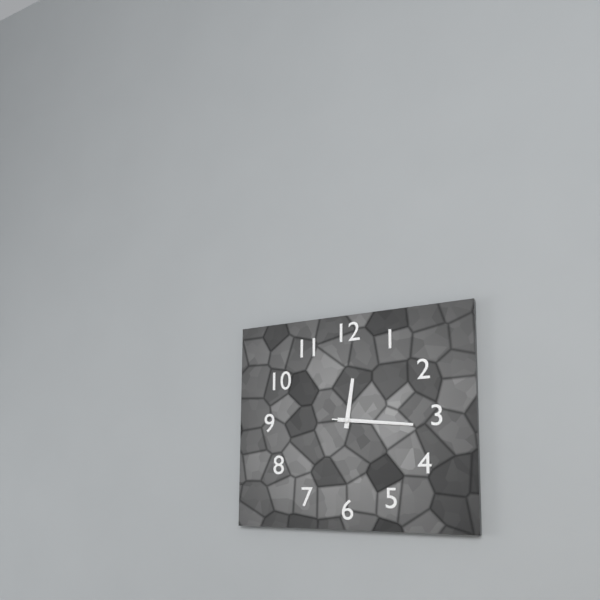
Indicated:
12,16,16
